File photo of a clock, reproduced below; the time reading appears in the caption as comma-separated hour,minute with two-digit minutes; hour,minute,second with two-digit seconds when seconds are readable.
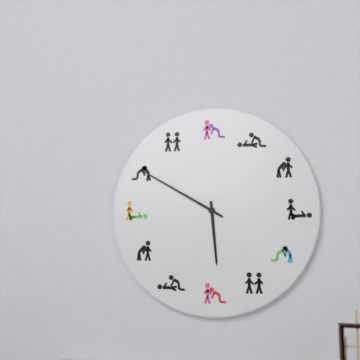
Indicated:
5,50
